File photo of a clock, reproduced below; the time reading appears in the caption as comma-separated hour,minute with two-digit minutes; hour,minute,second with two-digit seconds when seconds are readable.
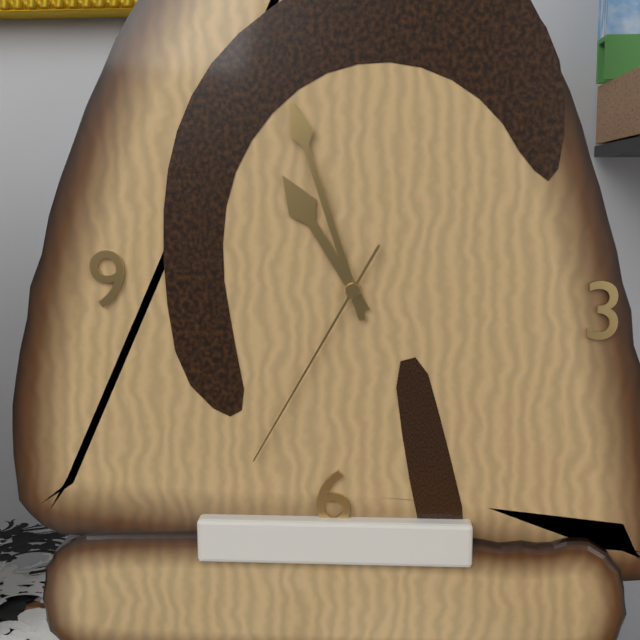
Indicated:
10,57,35
